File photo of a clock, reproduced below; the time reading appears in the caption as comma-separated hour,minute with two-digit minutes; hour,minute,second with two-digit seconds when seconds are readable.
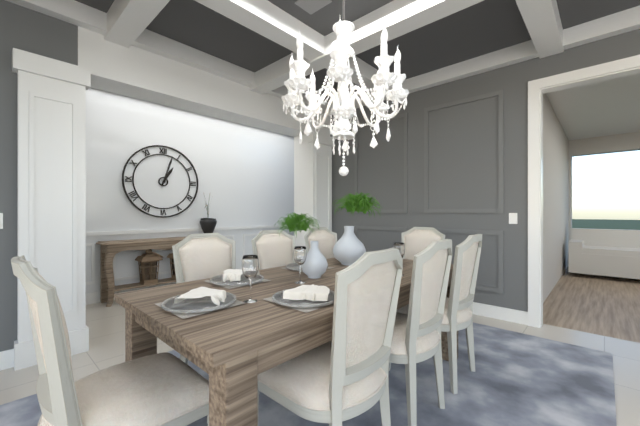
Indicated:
1,03
